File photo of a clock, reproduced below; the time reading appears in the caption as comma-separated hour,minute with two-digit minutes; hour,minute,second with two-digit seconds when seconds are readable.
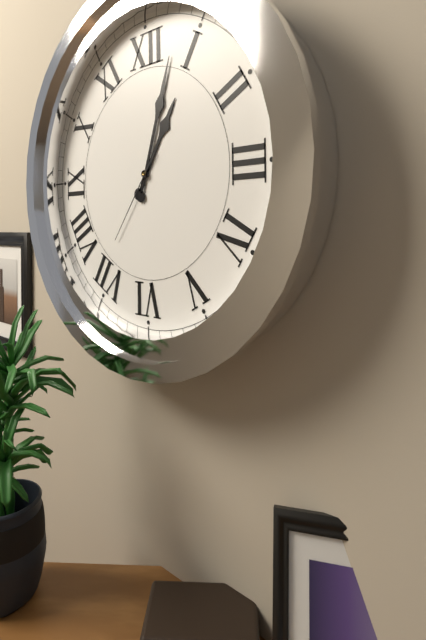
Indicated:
1,03,36
